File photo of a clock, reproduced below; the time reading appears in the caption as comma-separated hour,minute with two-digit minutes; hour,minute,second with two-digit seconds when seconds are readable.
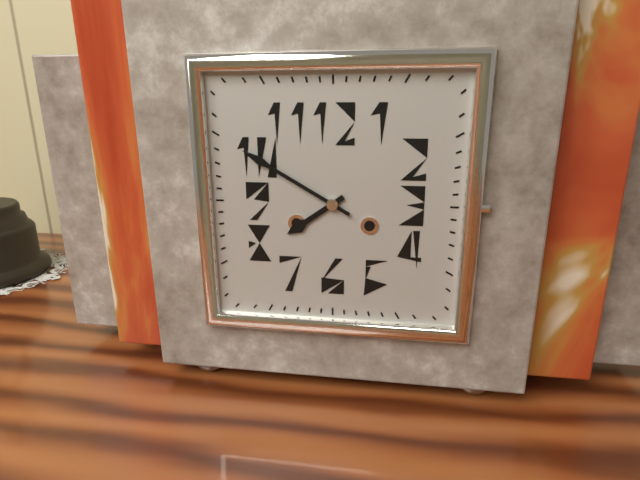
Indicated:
7,50
